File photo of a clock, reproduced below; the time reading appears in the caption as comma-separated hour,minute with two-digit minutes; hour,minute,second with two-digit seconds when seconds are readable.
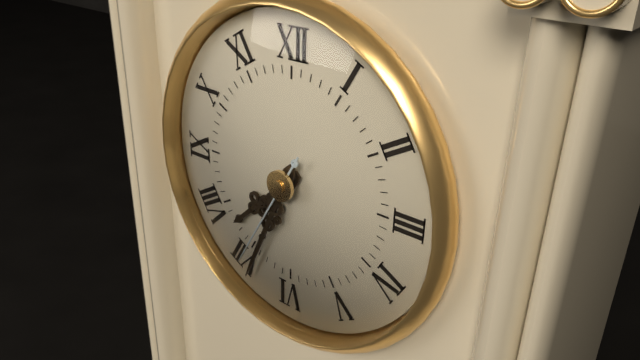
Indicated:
7,34,35
